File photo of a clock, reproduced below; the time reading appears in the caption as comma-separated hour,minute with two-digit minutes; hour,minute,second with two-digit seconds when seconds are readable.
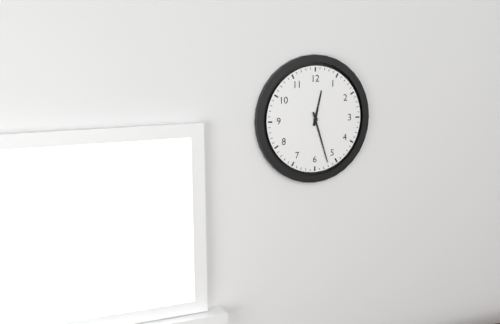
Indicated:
12,27
